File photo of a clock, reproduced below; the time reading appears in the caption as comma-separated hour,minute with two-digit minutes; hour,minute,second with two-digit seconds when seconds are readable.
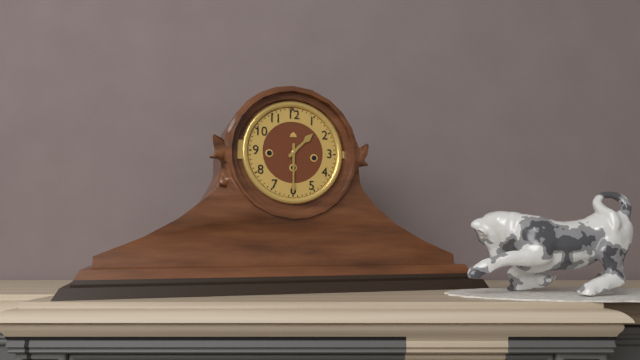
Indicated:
1,30
